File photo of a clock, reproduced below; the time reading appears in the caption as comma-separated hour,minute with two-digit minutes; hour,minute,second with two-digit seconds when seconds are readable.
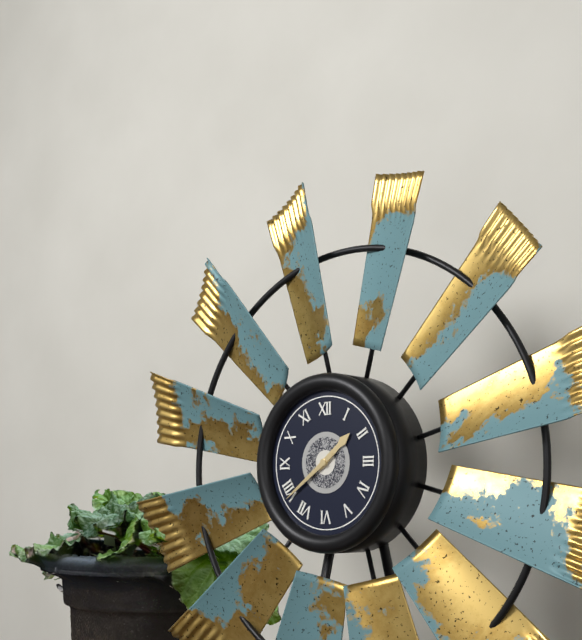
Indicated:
1,39
